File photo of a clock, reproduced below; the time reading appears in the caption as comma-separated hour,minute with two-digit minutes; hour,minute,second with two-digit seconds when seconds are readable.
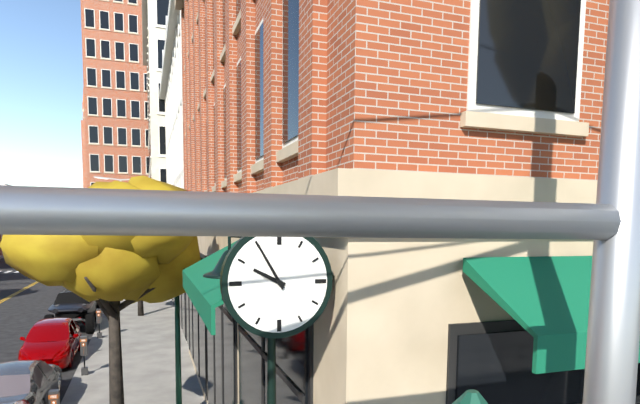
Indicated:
9,55
